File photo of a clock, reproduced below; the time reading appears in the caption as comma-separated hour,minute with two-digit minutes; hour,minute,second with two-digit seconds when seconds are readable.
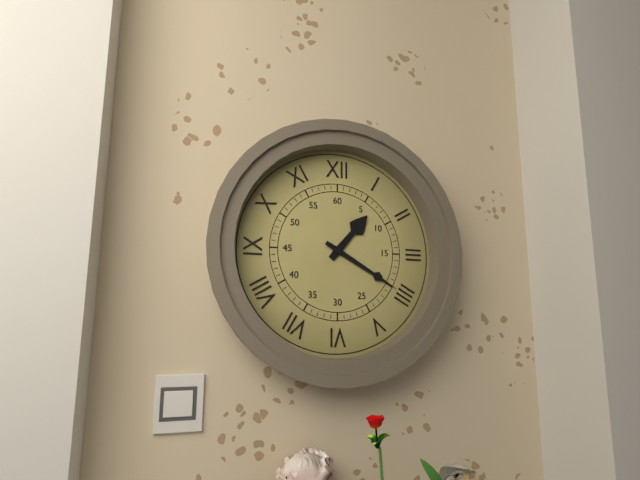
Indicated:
1,20
